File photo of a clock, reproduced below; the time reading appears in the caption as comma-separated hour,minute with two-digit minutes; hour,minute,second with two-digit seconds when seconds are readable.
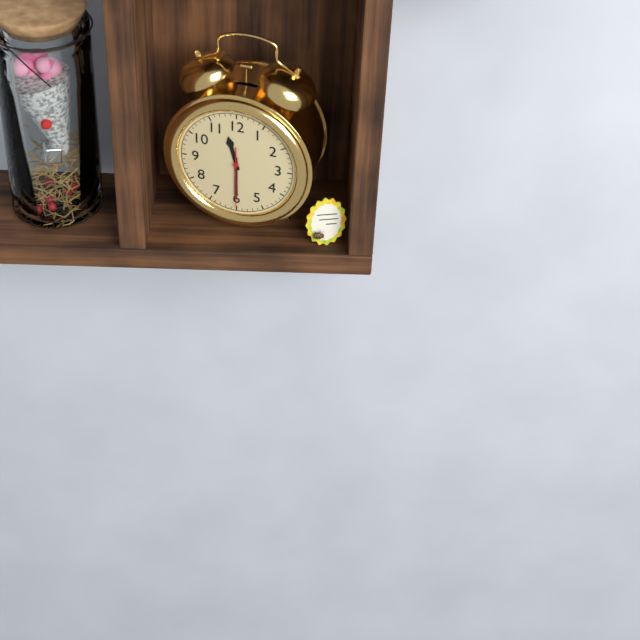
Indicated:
11,30,30
